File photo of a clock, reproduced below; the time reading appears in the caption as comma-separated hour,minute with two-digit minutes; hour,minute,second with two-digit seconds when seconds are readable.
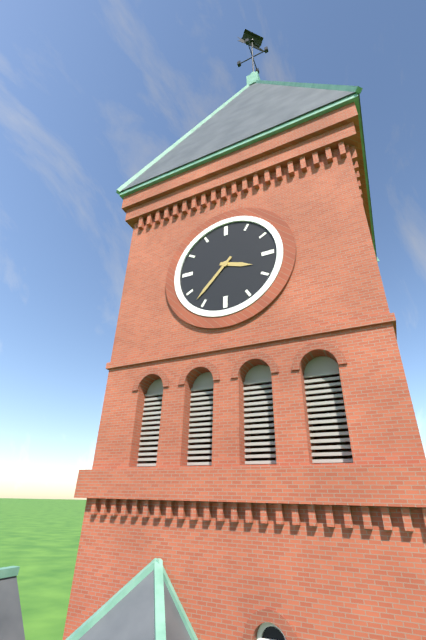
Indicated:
3,37
